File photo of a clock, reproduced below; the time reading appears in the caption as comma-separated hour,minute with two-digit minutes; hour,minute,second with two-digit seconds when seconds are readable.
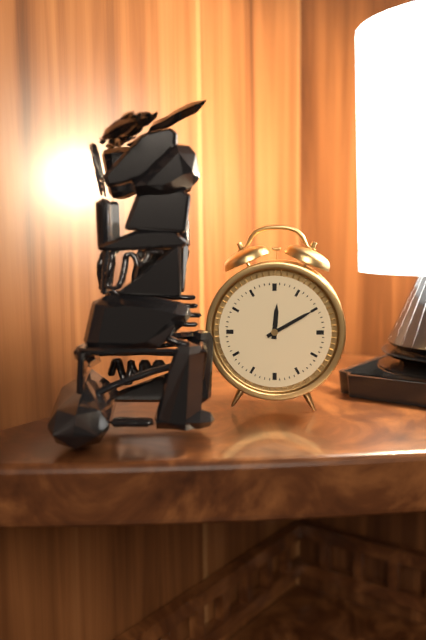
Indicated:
12,10
